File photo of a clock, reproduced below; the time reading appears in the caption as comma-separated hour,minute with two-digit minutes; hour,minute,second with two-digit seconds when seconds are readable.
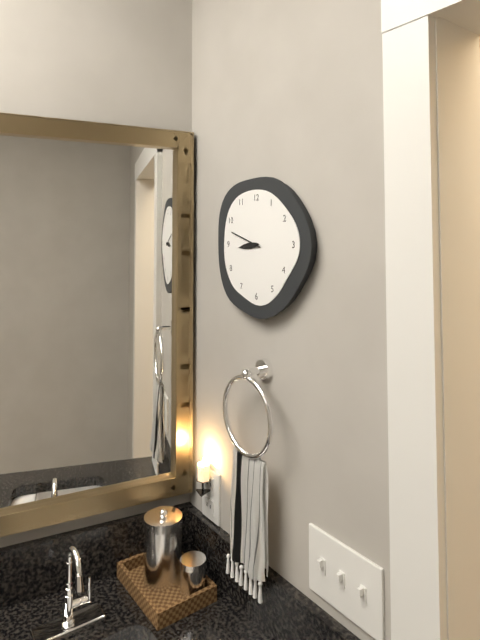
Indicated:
8,48
